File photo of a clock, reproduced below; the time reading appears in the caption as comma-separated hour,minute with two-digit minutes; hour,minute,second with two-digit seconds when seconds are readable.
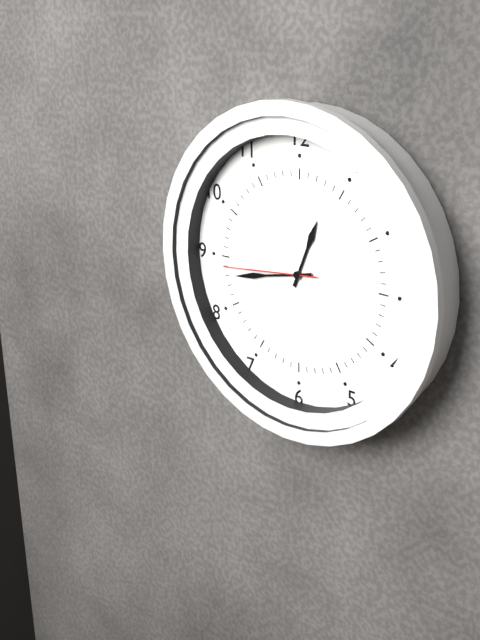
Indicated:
12,43,44
